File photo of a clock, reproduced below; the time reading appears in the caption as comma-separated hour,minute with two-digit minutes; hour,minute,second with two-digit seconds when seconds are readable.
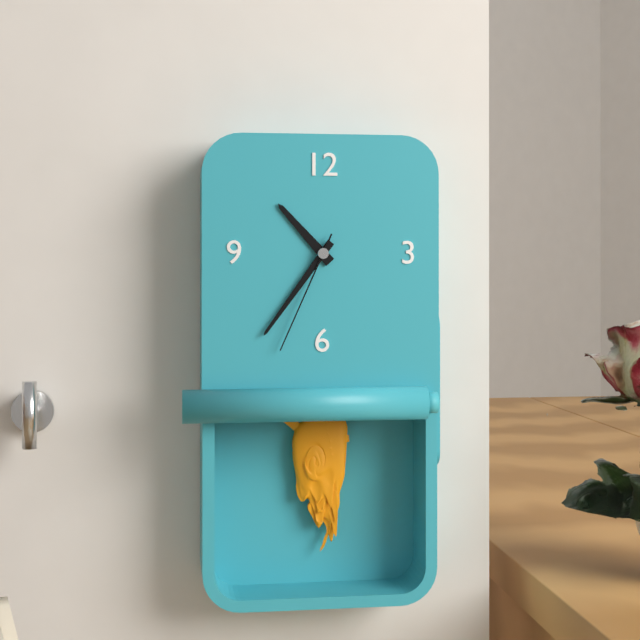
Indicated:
10,36,34
